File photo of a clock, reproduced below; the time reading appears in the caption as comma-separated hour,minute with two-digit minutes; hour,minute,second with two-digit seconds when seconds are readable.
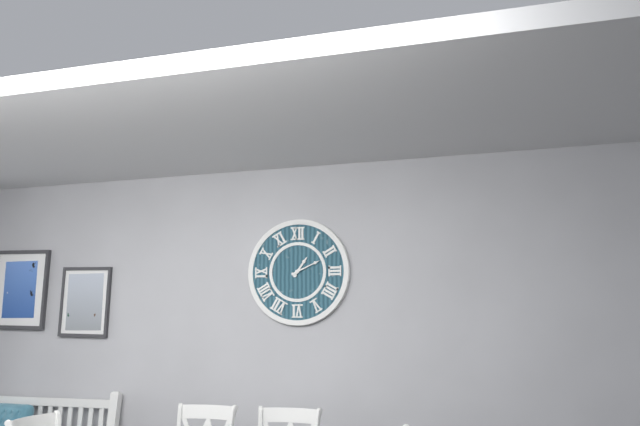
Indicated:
1,11
